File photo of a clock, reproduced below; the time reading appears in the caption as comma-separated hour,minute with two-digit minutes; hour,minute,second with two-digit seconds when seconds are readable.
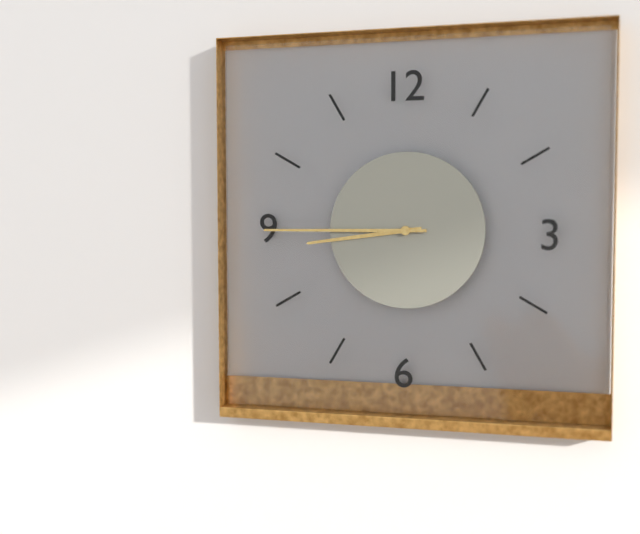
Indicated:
8,45
